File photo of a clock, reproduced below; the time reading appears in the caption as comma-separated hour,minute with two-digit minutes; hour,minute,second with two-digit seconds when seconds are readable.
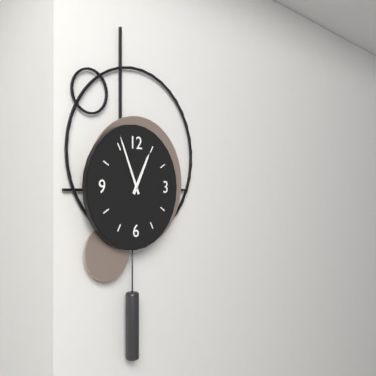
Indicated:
12,56
